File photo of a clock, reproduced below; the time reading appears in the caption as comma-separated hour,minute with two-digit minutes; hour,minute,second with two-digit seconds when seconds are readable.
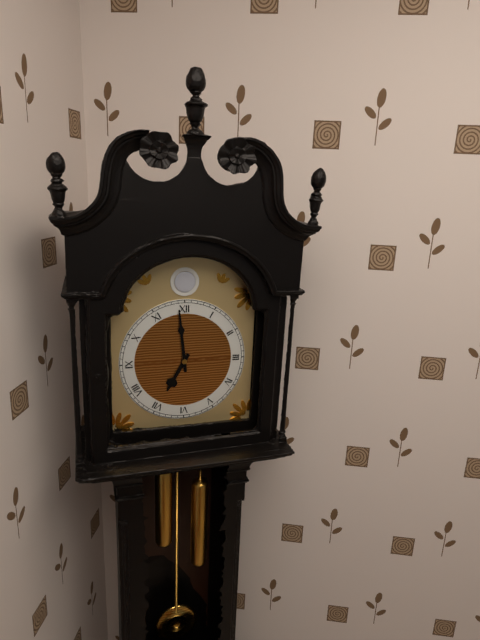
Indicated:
6,59
